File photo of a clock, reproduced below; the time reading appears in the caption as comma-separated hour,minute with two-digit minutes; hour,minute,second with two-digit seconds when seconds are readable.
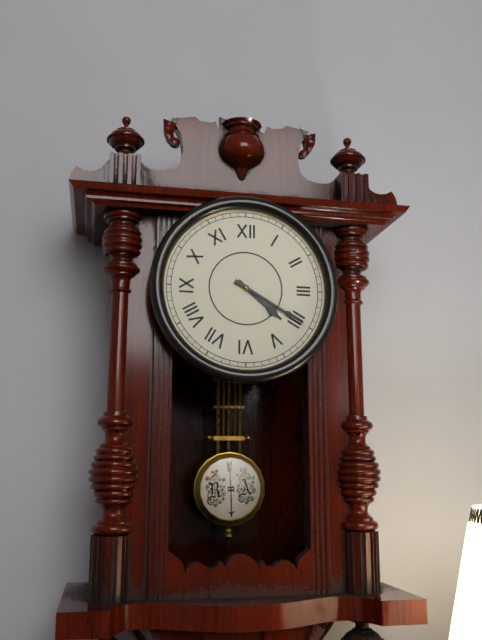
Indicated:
4,20
